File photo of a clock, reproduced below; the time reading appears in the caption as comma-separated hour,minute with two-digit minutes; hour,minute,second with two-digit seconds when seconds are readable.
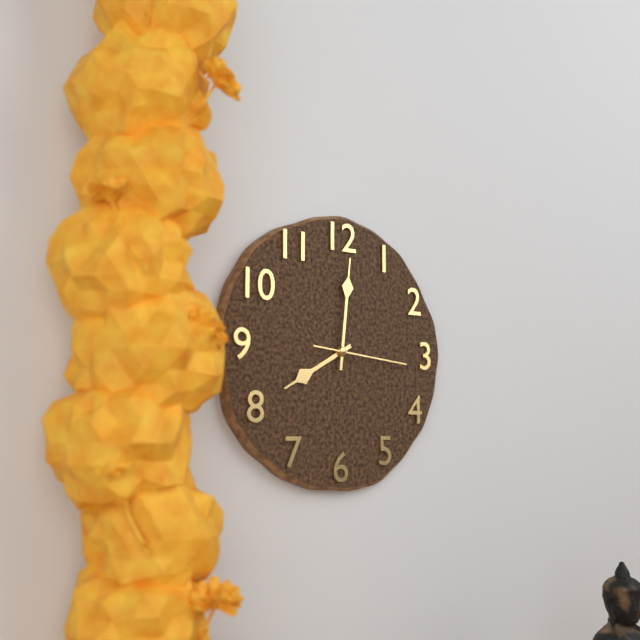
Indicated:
8,01,16
